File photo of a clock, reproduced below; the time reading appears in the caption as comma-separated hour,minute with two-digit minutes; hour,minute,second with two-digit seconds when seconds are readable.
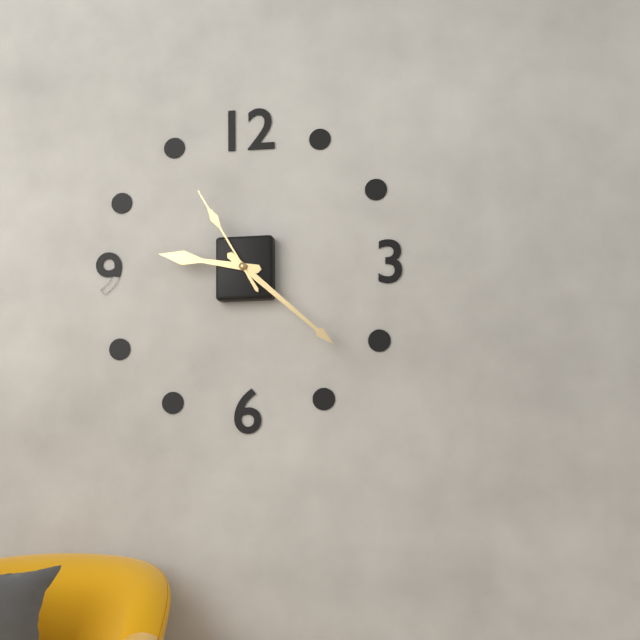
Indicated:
9,22,55
